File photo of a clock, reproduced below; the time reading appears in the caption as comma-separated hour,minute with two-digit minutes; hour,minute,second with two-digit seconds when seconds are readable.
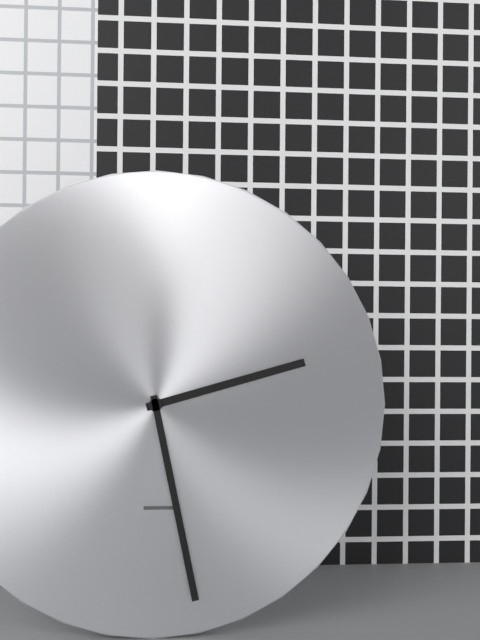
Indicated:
2,28
